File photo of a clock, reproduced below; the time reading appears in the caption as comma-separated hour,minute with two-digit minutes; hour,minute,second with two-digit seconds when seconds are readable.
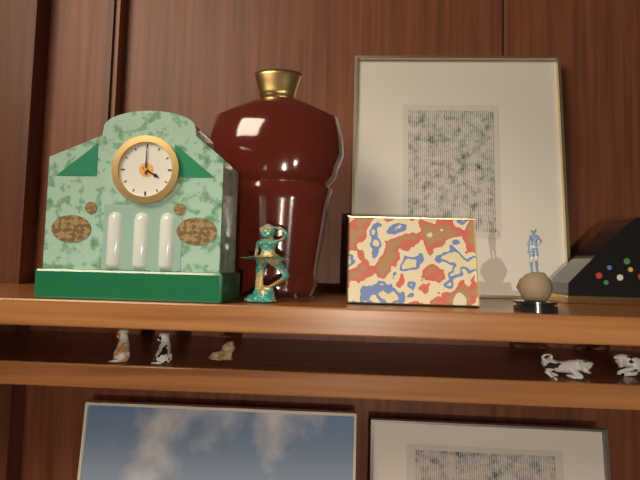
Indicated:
4,00
